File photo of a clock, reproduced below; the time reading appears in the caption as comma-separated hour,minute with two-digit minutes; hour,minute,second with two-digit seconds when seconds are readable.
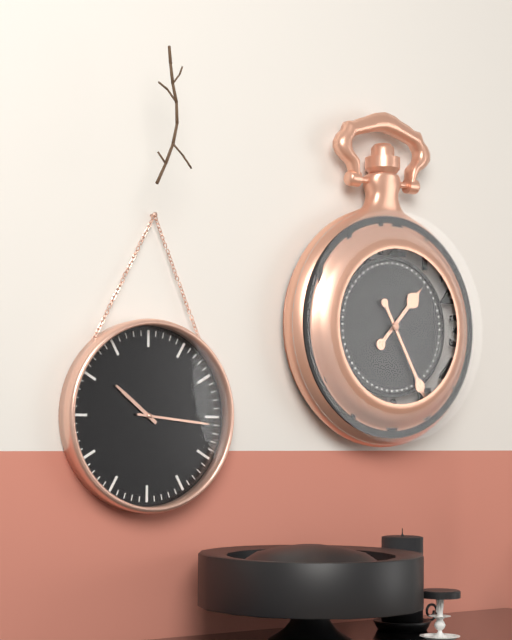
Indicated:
1,25
